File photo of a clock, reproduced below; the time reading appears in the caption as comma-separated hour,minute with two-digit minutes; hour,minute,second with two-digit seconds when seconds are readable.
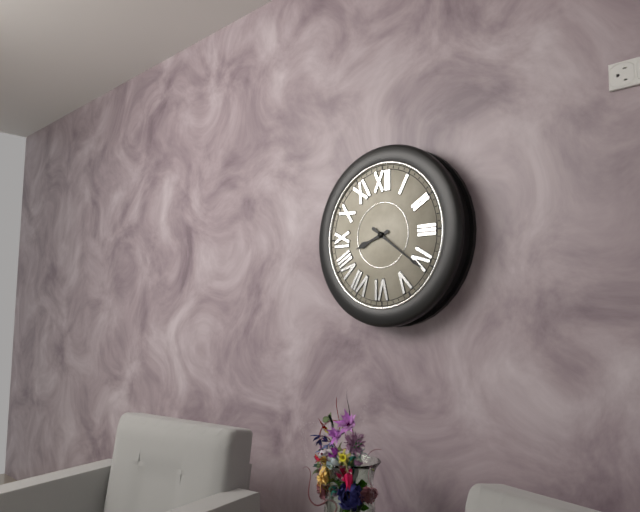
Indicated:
8,21
